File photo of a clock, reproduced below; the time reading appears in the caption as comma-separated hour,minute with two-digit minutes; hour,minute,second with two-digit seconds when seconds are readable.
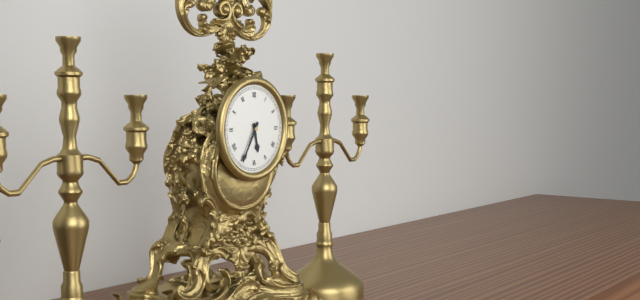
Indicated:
5,35
